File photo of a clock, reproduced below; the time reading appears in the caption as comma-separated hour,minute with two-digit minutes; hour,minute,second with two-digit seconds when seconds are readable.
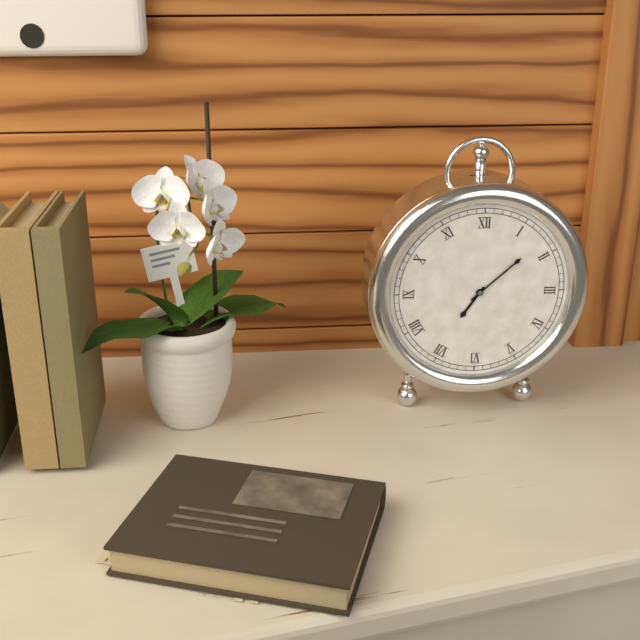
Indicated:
7,08
